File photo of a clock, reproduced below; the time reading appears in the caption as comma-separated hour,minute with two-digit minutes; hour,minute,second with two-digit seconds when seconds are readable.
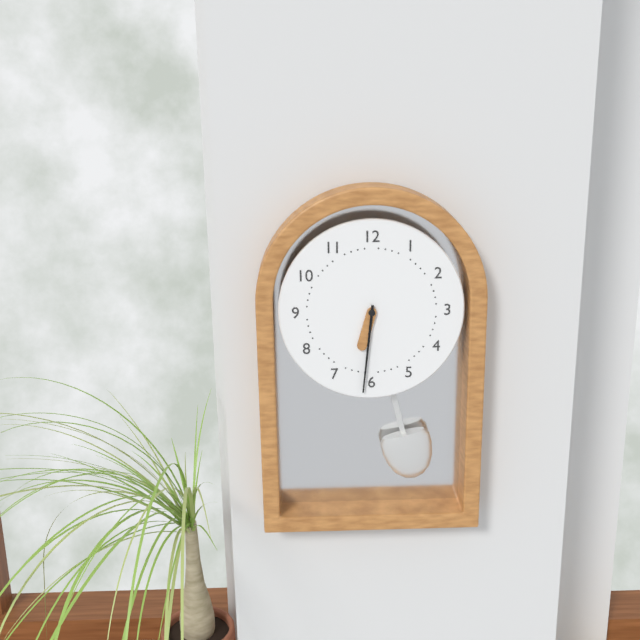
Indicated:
6,31
